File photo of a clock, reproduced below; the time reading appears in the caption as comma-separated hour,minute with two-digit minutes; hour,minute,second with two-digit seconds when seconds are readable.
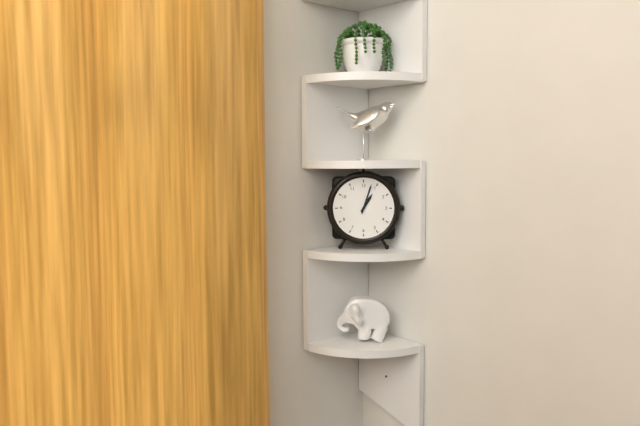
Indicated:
1,03
